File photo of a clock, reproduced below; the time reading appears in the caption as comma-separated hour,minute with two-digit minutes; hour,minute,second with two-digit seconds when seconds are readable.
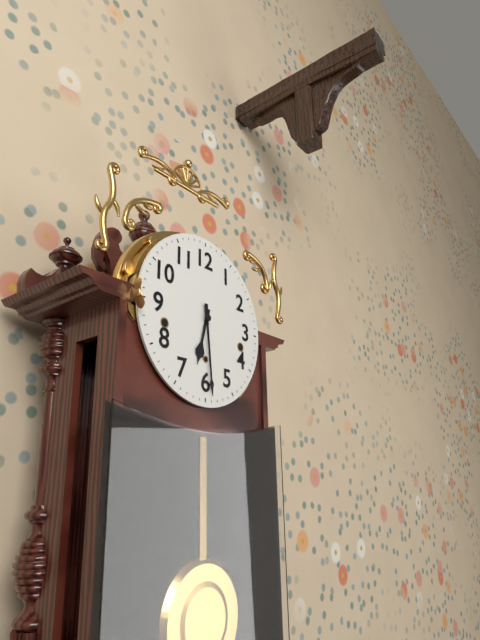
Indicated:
6,29
